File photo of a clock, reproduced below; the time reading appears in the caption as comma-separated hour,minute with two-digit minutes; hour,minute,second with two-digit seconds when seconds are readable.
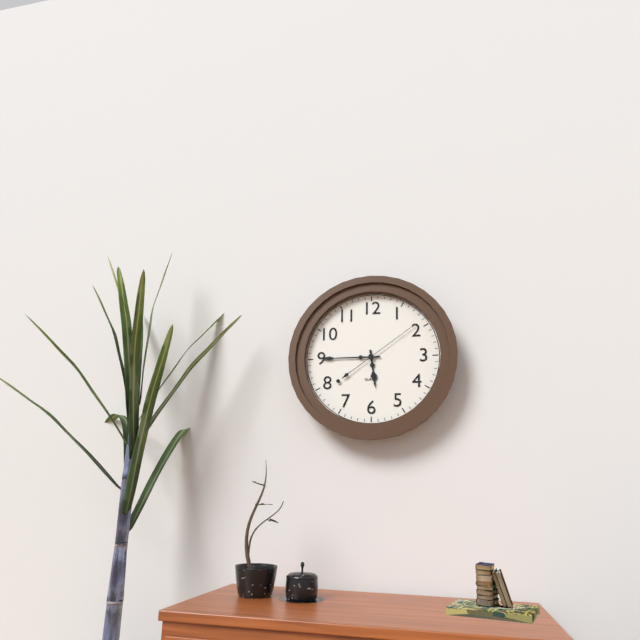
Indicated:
5,45,09
